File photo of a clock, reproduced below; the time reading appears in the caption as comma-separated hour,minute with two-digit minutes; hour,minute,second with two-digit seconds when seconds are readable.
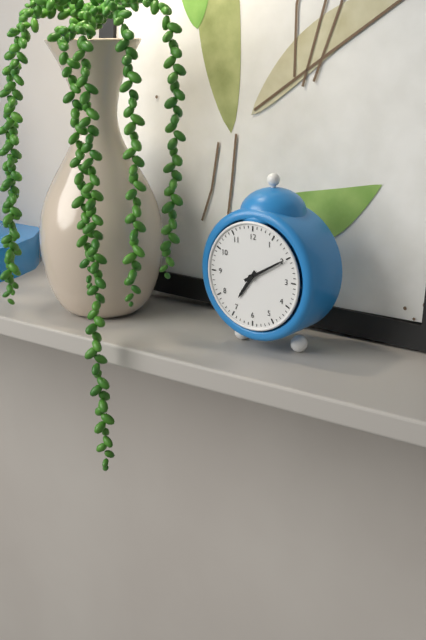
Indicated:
7,10
